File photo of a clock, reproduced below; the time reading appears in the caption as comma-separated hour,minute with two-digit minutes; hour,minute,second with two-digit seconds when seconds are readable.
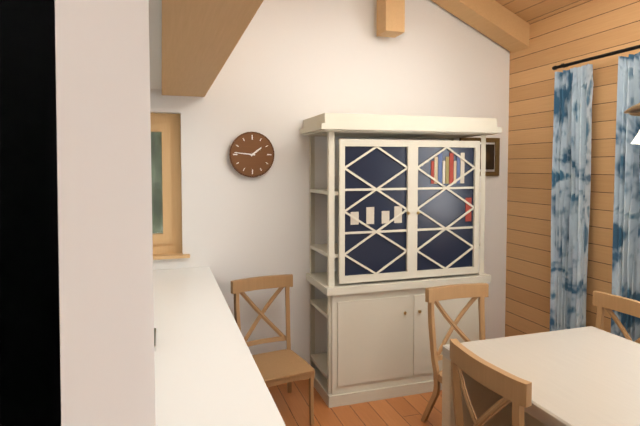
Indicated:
1,46
